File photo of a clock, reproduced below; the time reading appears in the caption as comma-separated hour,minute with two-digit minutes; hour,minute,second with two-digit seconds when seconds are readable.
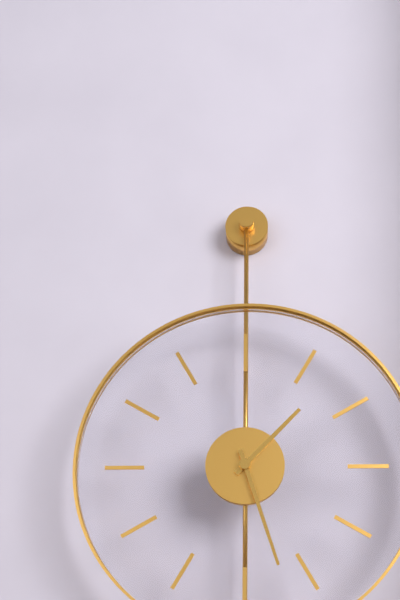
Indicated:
1,27
